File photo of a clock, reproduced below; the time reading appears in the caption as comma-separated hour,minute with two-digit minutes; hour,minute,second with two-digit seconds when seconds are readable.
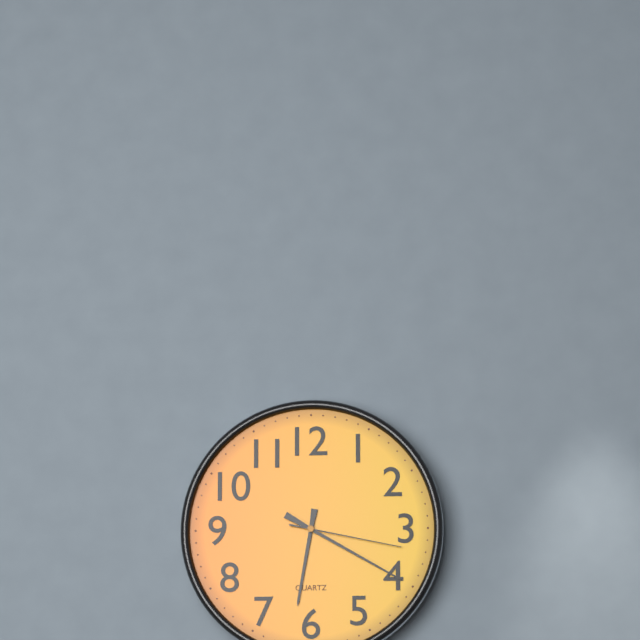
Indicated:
6,20,17
